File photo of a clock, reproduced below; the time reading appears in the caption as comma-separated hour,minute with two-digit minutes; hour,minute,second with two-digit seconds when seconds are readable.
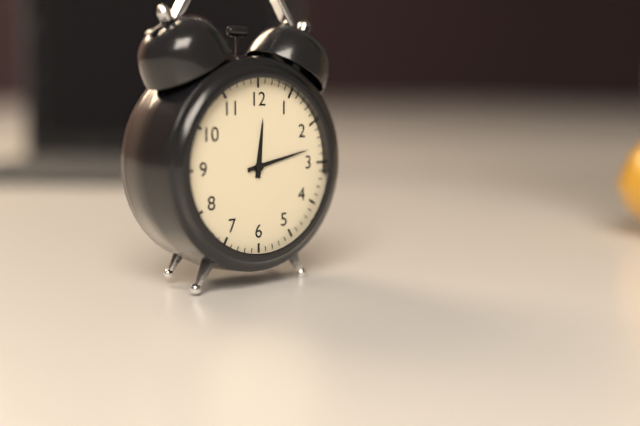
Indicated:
12,13
